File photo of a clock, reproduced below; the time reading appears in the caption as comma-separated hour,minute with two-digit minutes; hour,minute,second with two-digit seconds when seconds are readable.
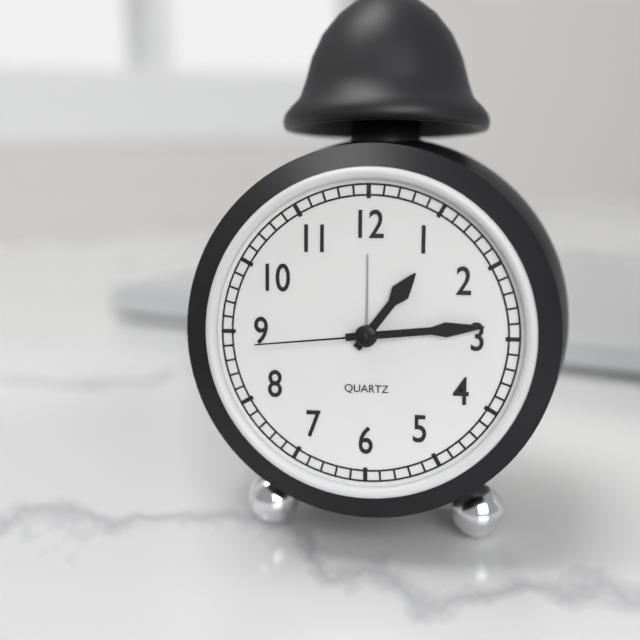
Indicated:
1,14,44
